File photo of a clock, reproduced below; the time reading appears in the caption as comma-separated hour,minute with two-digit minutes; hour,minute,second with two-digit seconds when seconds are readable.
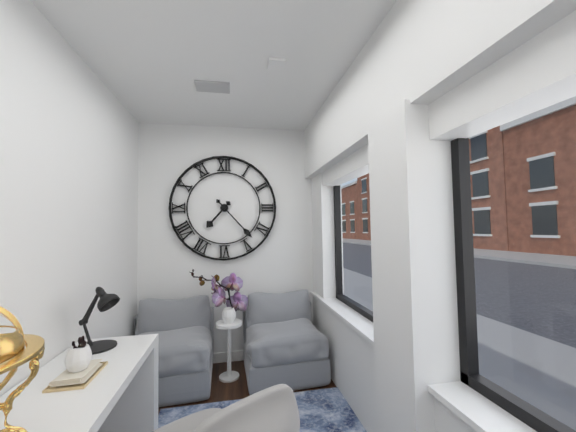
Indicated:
7,23
